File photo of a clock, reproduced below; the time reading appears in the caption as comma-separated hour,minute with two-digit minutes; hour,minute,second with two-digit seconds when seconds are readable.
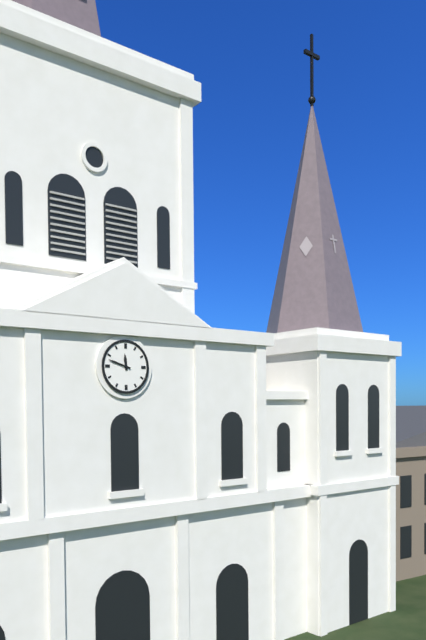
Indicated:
11,48
